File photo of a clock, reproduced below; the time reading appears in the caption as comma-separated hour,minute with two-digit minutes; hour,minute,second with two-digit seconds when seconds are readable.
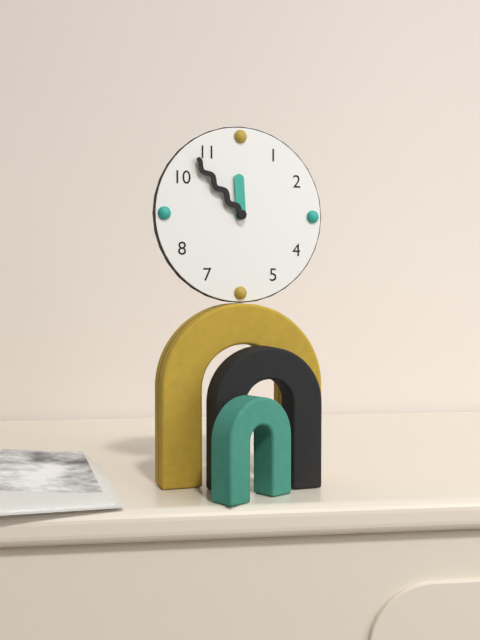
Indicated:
11,53
